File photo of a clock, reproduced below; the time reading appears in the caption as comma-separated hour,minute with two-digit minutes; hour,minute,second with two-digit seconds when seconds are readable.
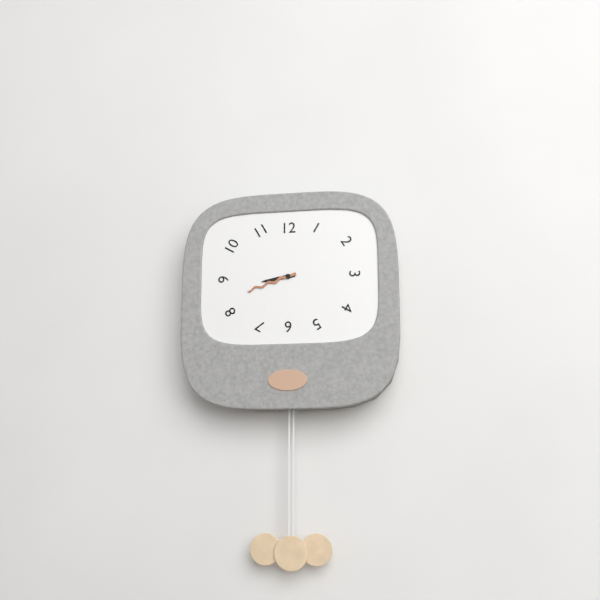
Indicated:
8,42
